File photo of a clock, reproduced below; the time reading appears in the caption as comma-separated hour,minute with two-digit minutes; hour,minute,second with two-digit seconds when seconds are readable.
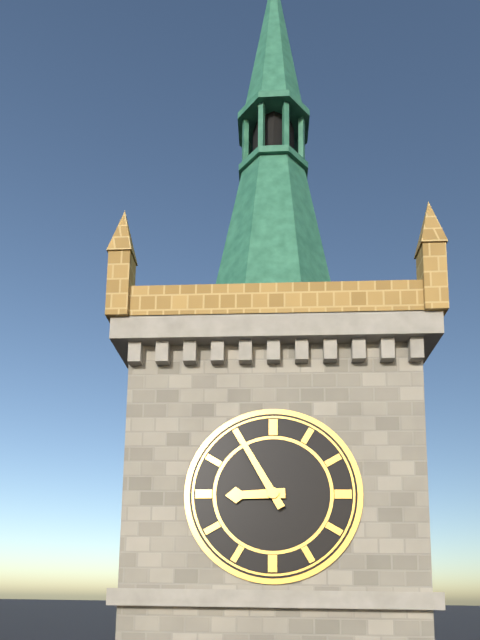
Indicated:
8,55
